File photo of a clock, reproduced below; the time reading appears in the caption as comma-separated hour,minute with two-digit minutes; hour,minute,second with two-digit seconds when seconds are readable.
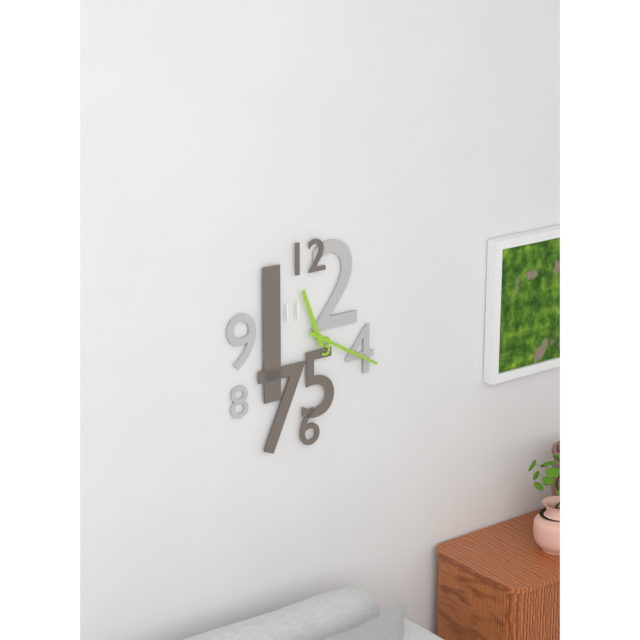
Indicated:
11,20
